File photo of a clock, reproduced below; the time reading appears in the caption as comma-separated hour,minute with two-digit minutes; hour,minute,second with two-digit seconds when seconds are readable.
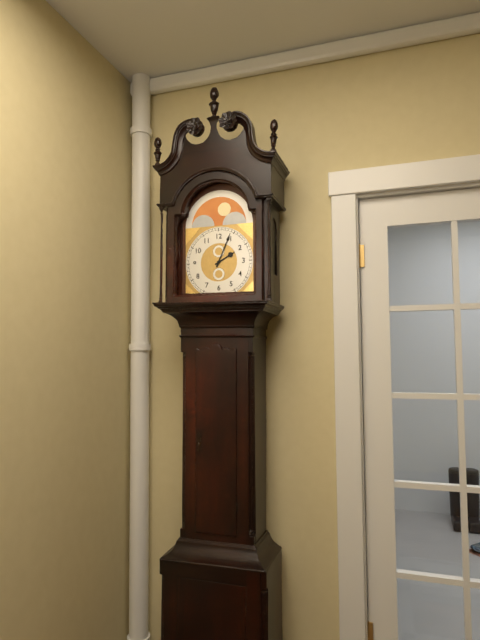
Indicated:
2,04
